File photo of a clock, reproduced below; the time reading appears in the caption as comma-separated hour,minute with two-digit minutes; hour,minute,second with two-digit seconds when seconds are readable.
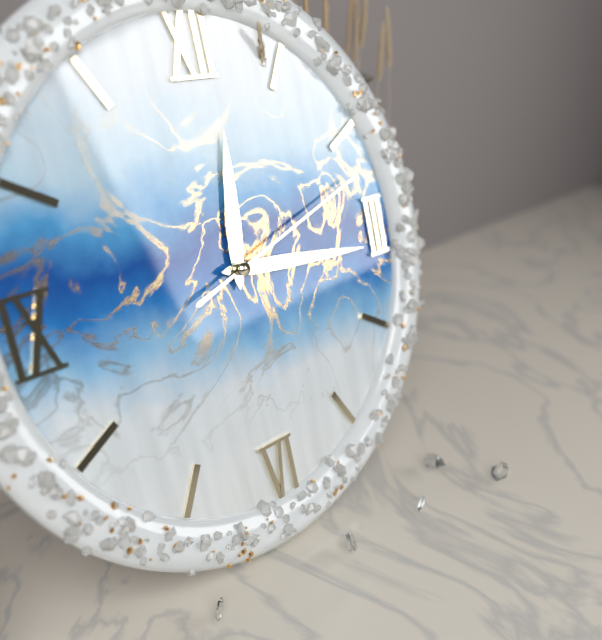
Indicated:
12,16,12
